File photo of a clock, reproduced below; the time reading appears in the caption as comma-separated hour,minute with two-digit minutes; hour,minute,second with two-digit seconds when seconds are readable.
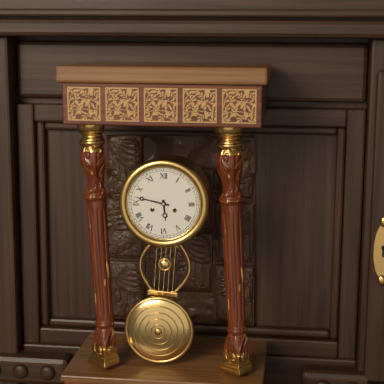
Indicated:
5,47
